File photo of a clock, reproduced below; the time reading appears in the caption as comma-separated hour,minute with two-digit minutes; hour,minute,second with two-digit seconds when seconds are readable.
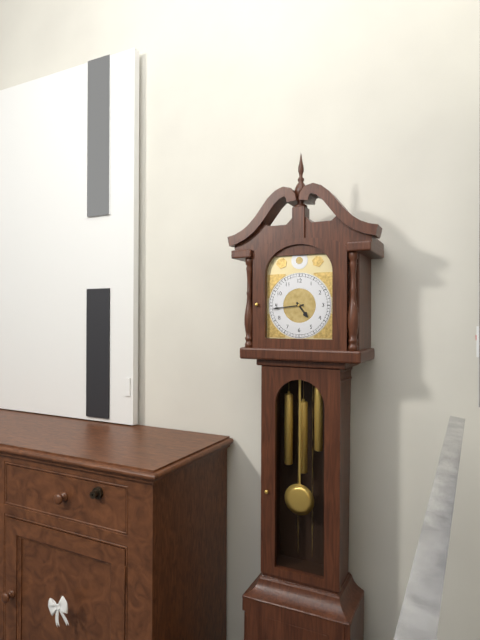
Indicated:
4,44
